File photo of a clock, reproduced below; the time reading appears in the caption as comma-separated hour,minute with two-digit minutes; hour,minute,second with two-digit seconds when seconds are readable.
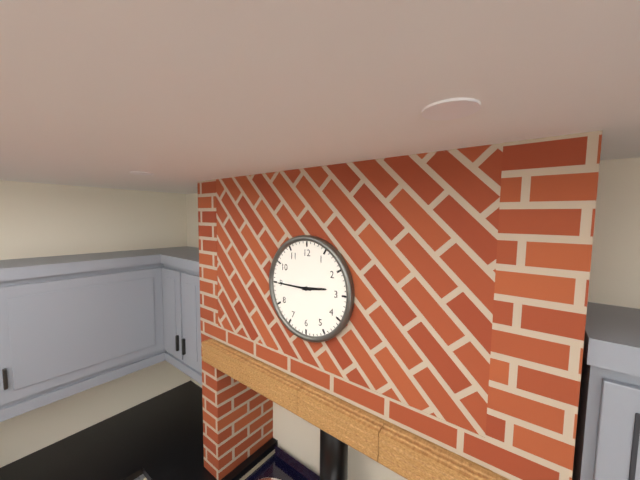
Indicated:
2,45
